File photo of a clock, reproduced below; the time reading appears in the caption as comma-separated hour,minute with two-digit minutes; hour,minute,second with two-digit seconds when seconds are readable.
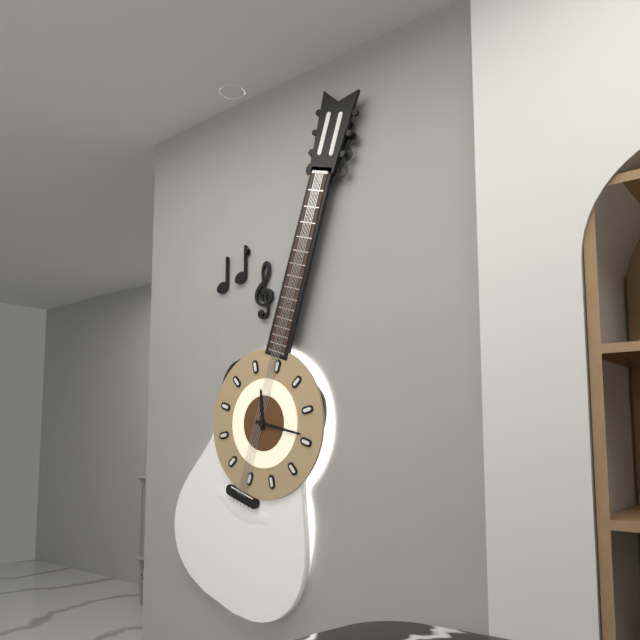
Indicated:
11,14
